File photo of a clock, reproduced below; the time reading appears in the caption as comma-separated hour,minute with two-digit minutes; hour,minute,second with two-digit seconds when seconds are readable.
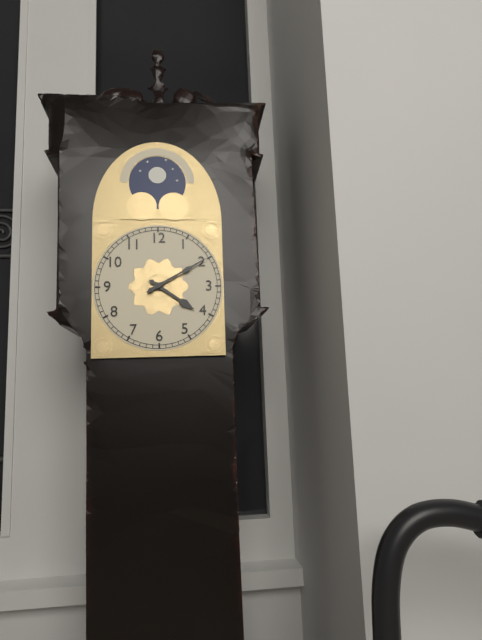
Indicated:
4,10
